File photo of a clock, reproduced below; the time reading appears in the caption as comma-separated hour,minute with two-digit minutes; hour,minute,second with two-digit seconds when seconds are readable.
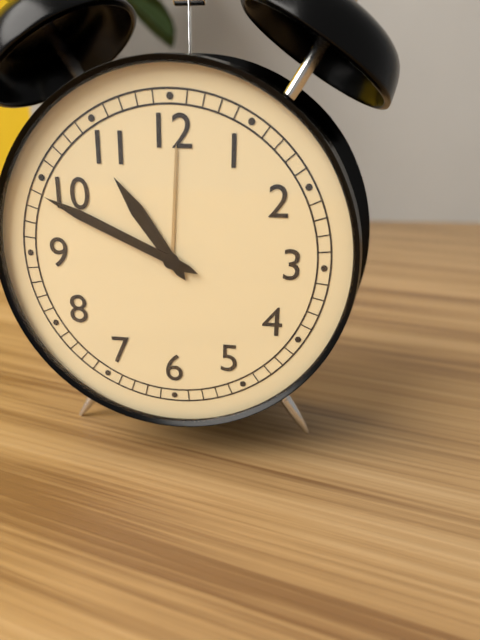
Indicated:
10,49
